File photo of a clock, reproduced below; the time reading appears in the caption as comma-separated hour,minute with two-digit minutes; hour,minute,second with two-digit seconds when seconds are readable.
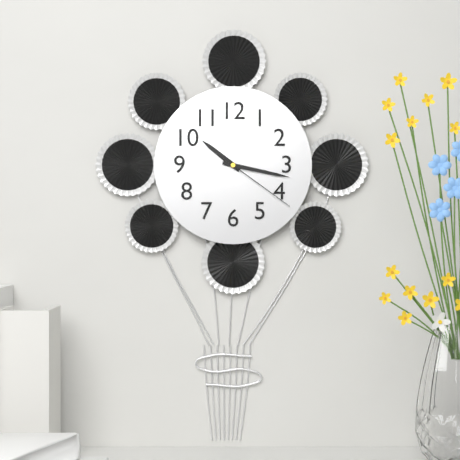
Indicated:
10,17,21
